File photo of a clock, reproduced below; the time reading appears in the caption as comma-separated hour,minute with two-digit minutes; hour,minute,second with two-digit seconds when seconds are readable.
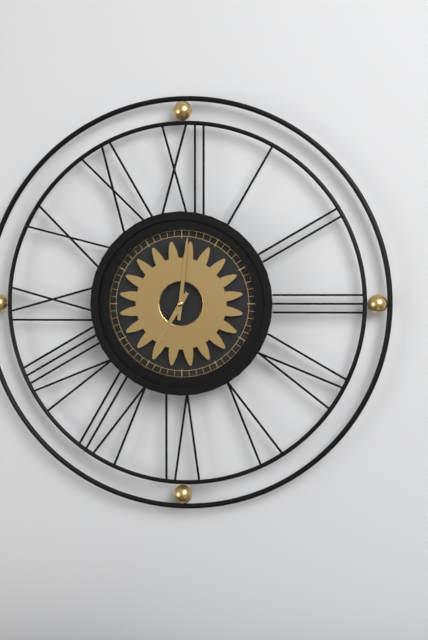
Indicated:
7,01
